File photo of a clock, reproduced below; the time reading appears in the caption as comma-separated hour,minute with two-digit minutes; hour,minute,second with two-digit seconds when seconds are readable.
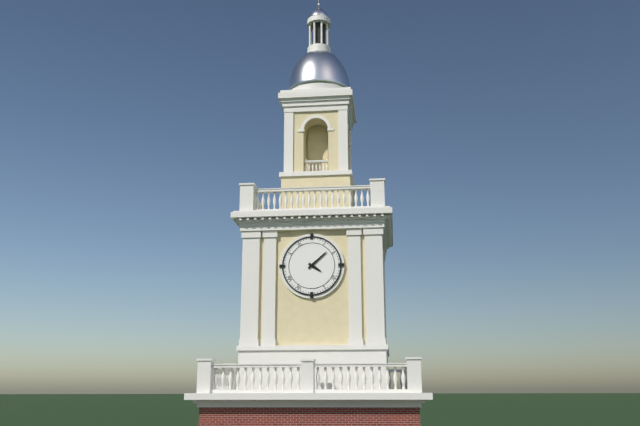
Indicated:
4,08
